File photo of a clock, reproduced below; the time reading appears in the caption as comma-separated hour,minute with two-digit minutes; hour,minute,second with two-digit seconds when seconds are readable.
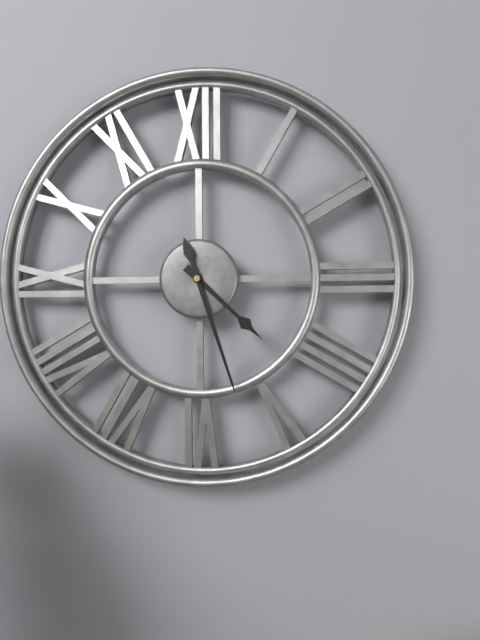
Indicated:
4,27
